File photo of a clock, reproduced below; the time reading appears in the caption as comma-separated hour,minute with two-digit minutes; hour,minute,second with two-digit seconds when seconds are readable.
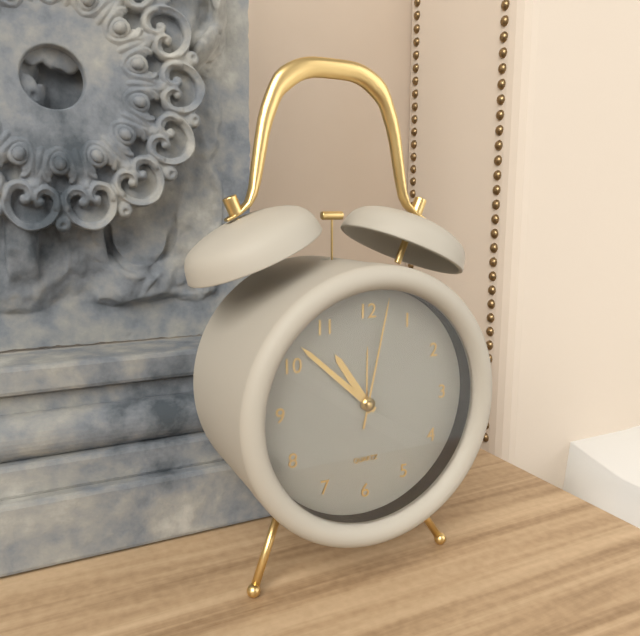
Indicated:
10,52,02
